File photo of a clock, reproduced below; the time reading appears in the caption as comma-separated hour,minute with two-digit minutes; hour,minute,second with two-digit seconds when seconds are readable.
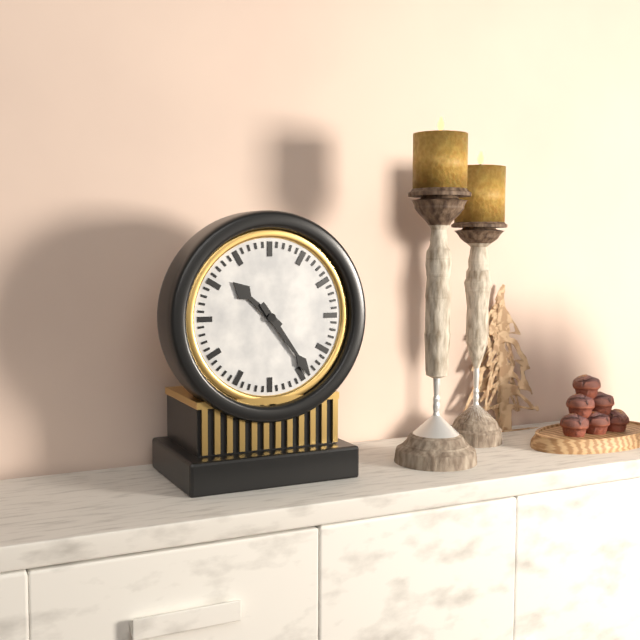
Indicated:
10,24
